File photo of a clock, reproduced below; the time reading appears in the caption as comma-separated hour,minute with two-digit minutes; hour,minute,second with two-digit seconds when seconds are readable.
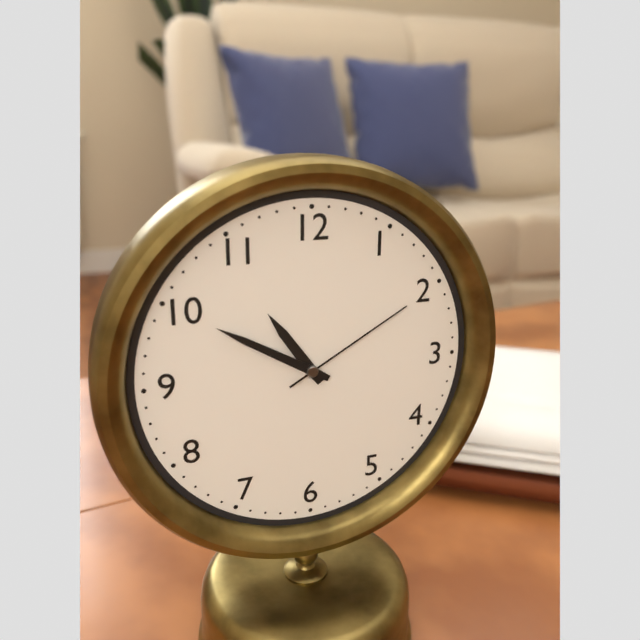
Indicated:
10,50,10
